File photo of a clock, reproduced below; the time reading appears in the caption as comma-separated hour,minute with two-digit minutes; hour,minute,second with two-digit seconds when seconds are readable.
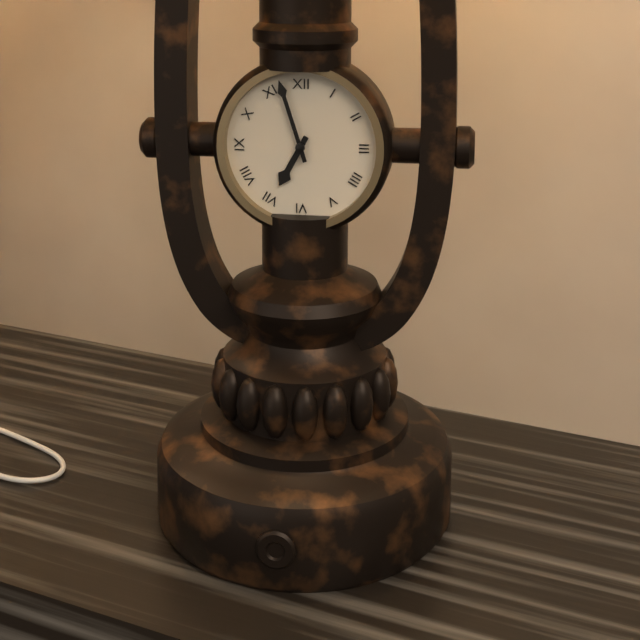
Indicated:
6,57
